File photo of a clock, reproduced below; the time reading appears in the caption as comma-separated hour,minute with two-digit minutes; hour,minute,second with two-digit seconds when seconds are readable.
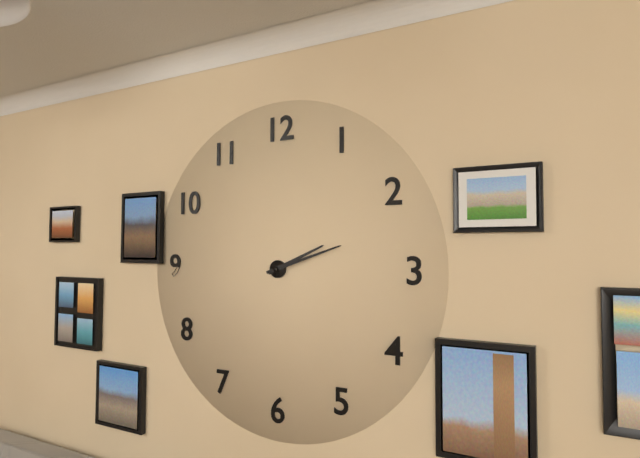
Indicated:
2,12
